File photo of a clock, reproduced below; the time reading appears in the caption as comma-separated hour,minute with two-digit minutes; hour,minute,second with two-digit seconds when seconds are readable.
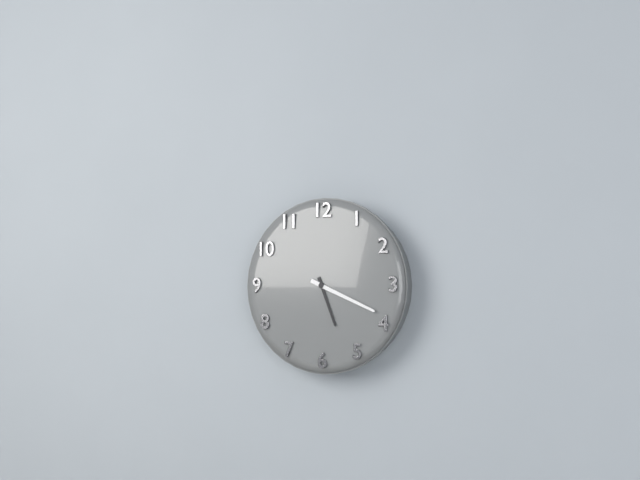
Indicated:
5,19
